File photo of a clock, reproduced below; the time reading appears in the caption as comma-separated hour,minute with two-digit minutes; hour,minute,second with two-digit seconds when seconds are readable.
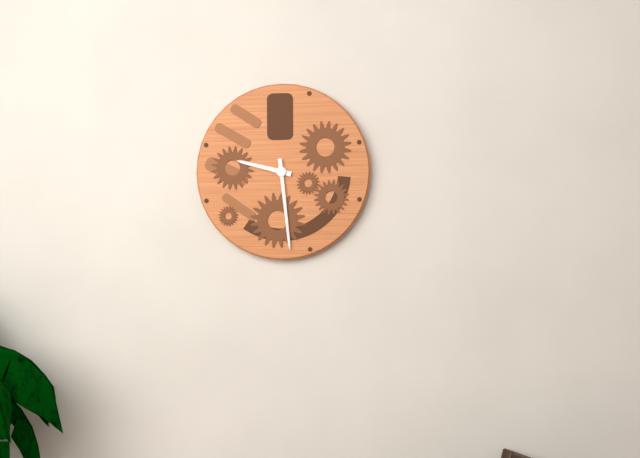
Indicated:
9,29
